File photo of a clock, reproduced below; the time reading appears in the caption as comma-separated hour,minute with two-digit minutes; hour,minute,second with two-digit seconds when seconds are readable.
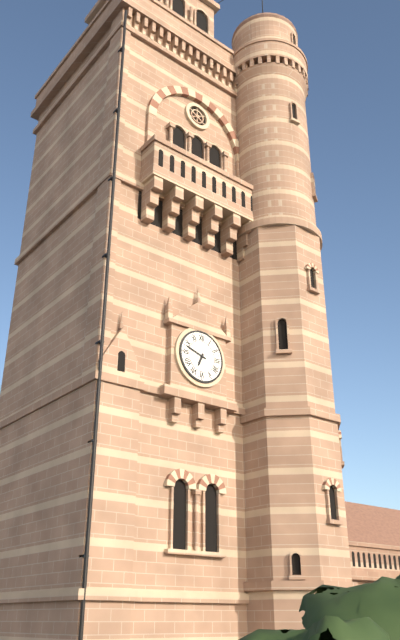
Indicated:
6,48
